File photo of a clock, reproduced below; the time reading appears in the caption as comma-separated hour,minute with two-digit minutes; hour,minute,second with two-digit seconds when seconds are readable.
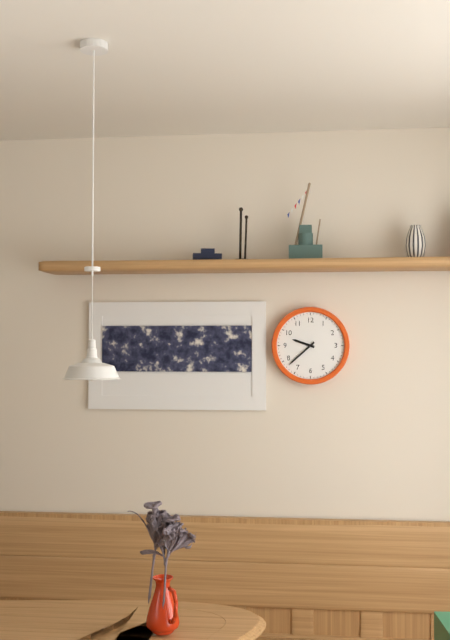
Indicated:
9,38
